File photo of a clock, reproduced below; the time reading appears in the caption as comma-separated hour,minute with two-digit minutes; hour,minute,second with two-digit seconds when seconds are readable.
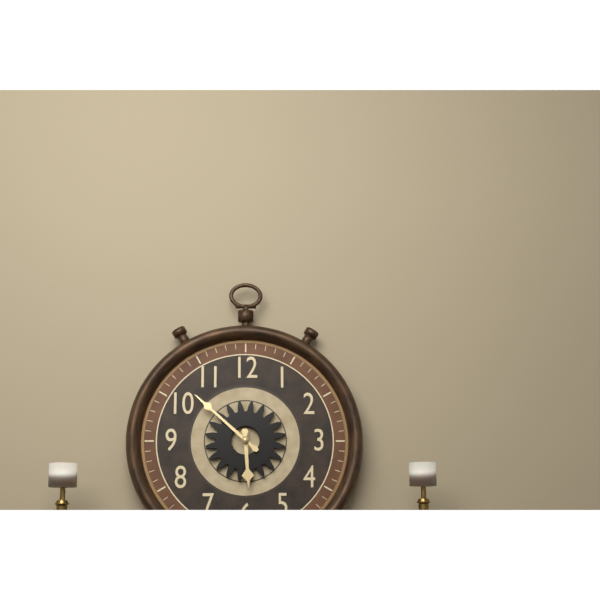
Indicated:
5,52
